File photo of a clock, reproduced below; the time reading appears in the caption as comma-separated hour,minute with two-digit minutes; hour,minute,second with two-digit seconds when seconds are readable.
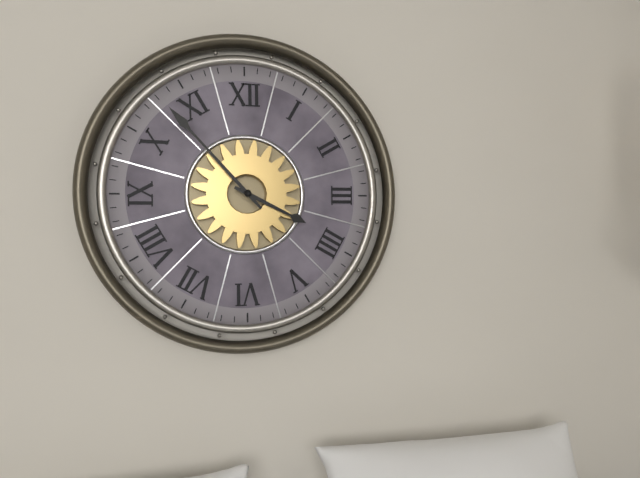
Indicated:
3,53
